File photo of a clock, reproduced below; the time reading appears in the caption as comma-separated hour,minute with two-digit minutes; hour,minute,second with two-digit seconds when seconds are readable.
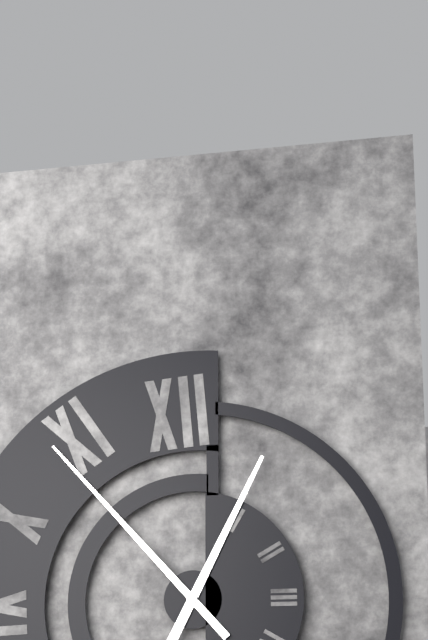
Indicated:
12,53
